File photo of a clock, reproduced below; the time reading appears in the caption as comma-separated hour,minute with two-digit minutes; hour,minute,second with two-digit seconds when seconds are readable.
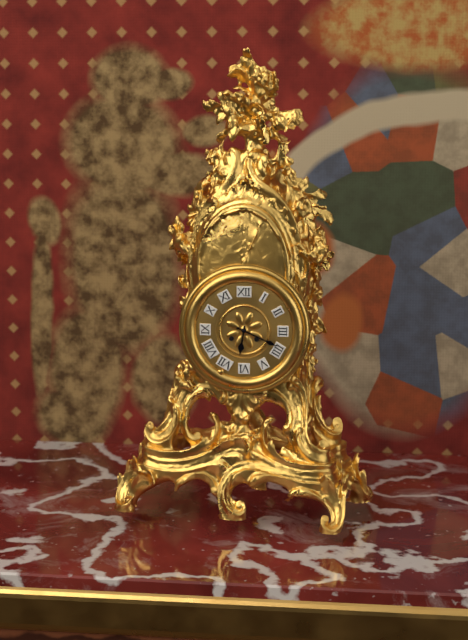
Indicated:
6,19
